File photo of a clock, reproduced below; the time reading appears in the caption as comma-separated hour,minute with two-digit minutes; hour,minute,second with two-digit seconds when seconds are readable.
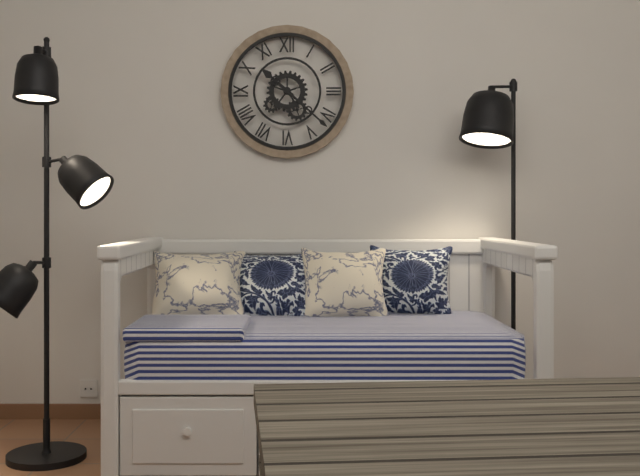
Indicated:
10,22
